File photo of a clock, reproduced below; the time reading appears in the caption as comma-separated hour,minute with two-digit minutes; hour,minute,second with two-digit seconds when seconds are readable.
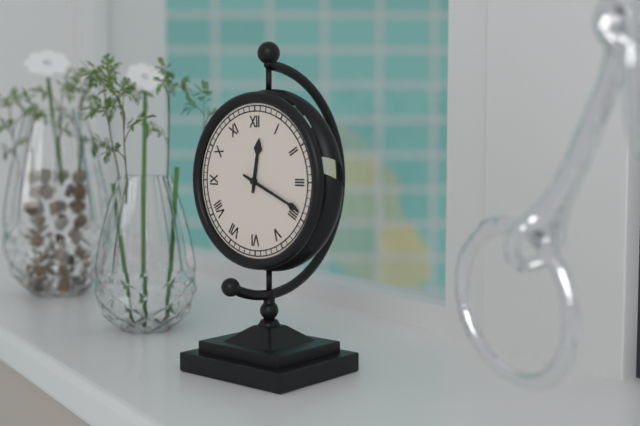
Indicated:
12,19
